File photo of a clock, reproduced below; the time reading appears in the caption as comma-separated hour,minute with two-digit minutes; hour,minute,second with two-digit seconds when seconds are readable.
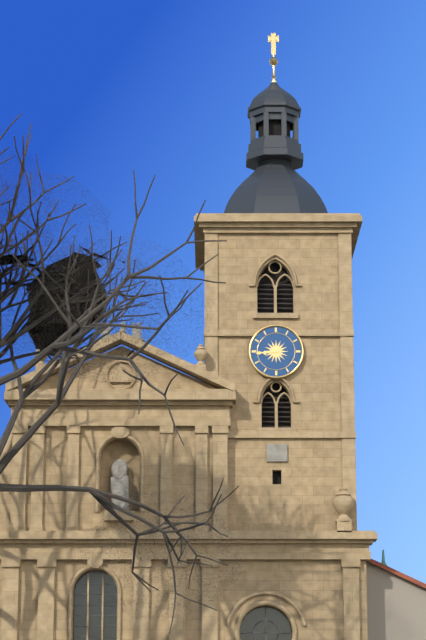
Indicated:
8,44
